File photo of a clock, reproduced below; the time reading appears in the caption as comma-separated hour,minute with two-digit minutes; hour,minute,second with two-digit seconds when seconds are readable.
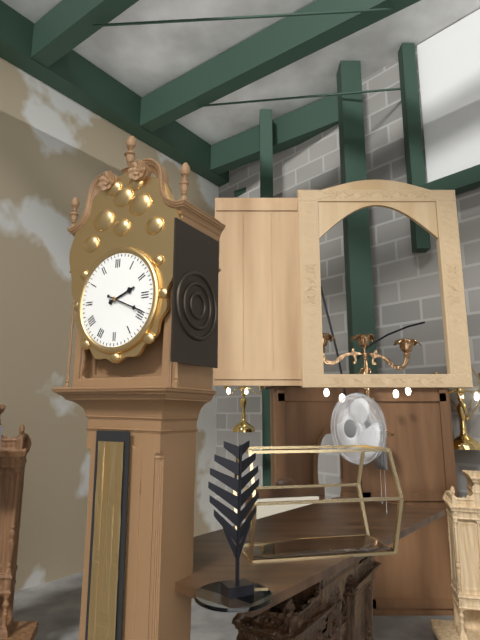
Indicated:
2,19
